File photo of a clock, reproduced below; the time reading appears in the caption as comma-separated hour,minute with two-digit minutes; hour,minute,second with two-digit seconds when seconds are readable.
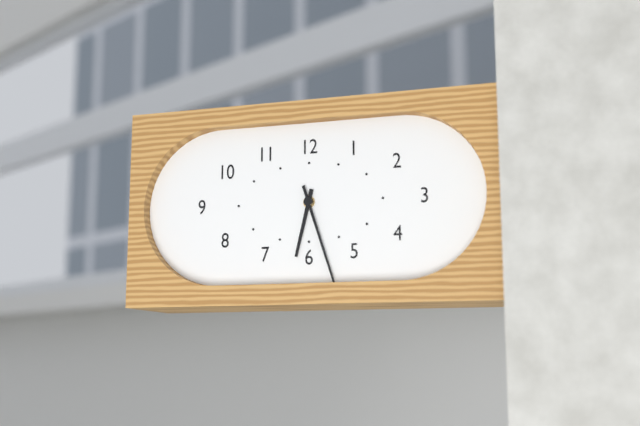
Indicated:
6,27
